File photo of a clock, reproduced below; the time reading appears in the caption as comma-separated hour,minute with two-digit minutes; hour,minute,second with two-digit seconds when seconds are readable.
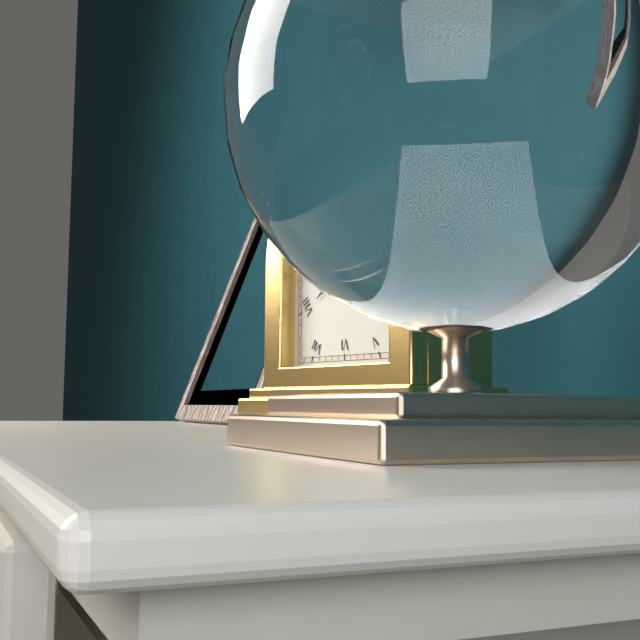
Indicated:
7,52
